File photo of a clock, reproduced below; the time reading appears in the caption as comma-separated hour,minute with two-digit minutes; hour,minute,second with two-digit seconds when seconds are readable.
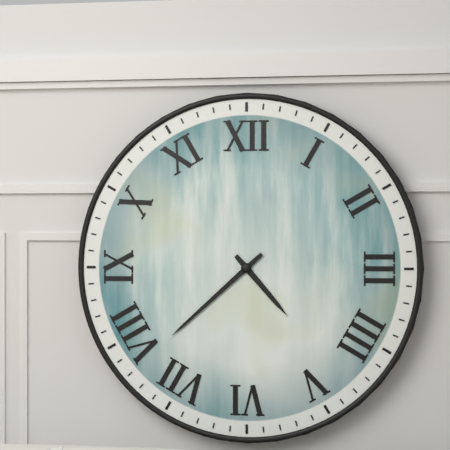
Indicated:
4,38
